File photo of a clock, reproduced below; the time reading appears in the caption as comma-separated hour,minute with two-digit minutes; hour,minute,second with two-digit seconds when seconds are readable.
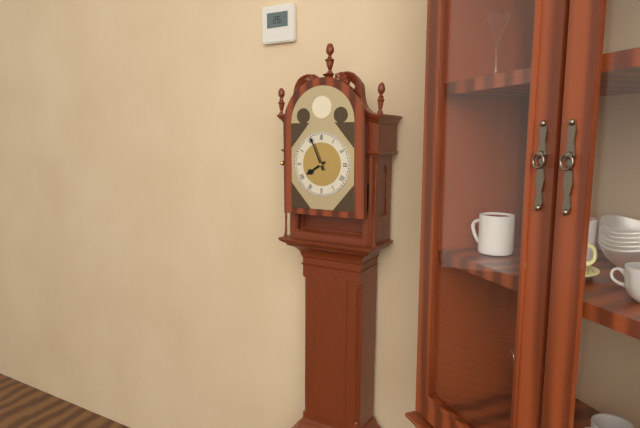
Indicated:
7,56
